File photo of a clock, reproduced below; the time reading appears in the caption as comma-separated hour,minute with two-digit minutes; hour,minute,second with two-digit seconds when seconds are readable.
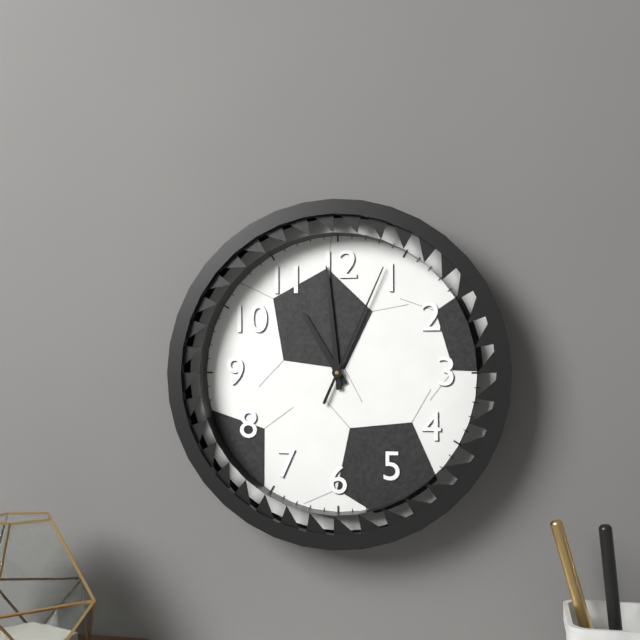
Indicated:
10,59,04
